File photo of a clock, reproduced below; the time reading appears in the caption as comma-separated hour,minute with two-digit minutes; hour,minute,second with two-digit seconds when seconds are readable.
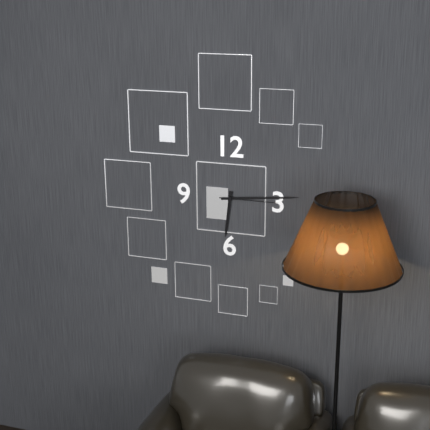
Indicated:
6,14,15
